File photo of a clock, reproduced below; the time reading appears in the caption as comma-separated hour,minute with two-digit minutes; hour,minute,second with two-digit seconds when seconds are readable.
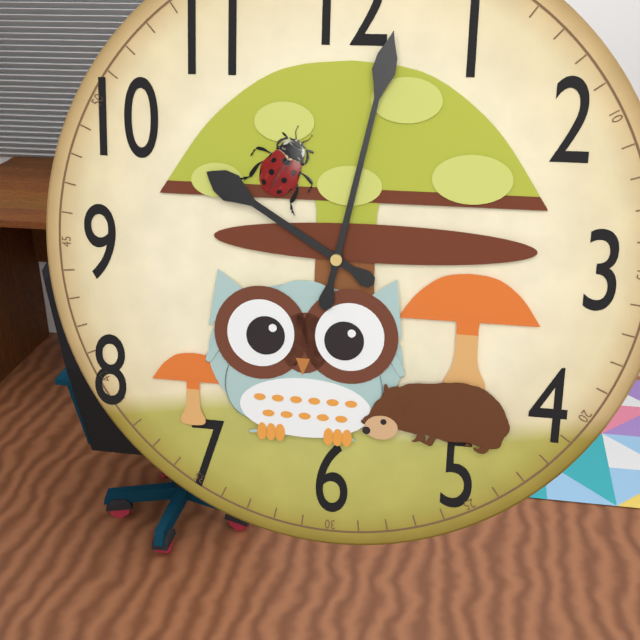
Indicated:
10,02
